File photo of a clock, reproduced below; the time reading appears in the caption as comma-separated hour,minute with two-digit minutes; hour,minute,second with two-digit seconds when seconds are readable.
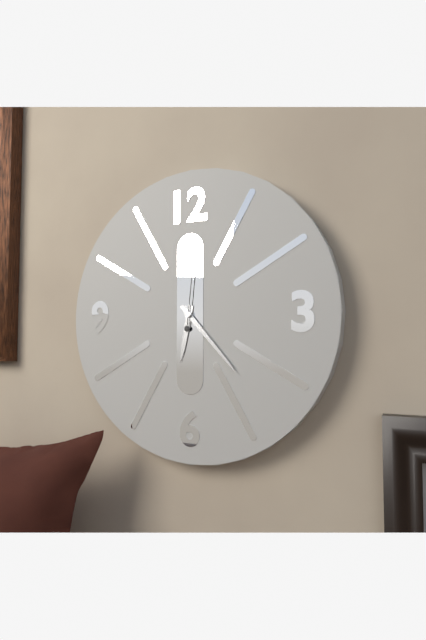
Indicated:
6,23,01
